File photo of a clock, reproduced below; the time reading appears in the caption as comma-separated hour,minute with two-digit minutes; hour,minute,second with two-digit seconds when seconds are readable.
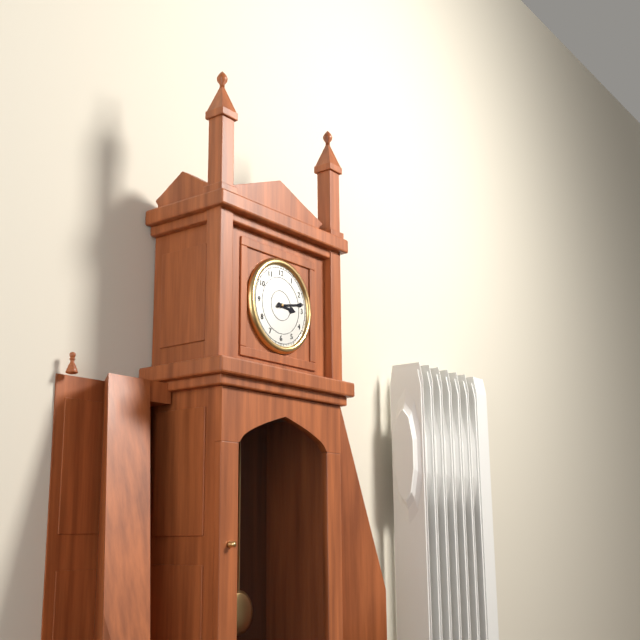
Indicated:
3,13
